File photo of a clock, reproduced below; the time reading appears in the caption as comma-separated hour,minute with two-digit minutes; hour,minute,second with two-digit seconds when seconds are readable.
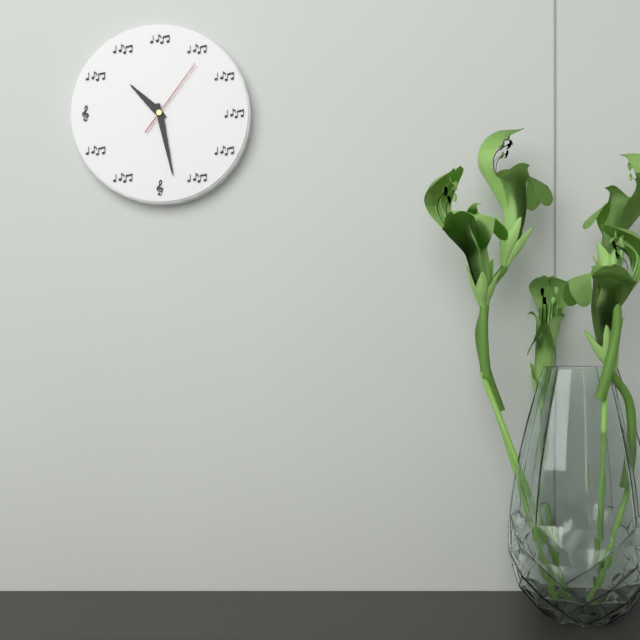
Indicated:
10,28,06
